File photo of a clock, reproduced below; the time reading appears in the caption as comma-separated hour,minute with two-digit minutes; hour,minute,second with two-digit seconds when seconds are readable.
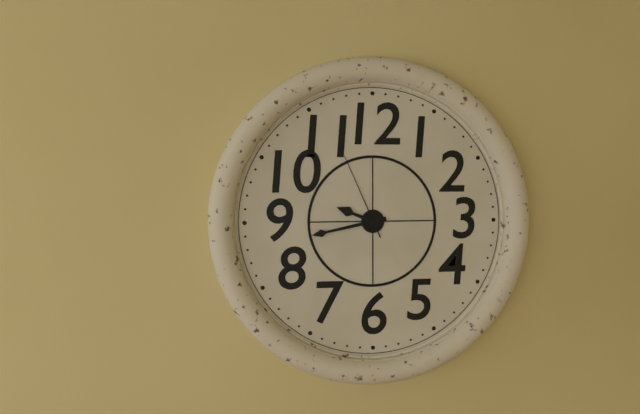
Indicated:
9,43,56
